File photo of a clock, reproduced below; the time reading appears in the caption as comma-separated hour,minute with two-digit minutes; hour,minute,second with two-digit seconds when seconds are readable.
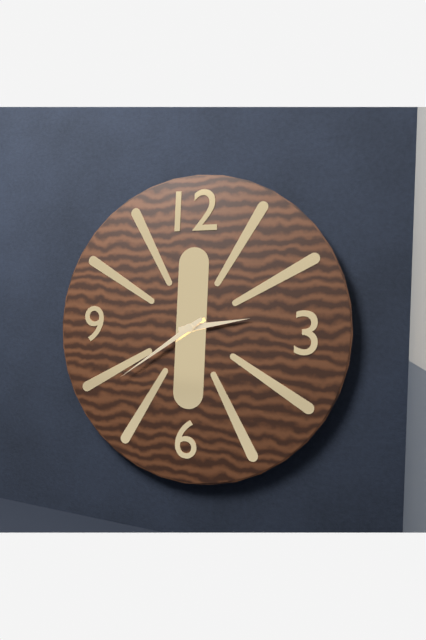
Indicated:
2,39
